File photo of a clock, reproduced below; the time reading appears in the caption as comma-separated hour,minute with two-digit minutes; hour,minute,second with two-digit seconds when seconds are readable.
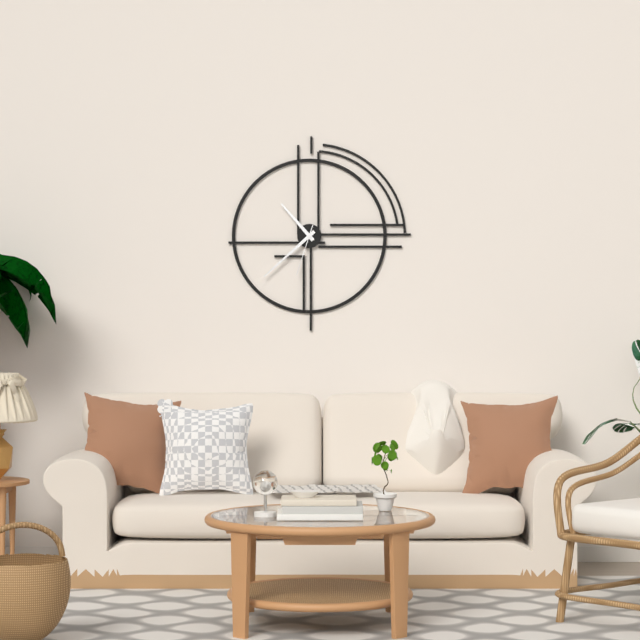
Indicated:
10,38,33
